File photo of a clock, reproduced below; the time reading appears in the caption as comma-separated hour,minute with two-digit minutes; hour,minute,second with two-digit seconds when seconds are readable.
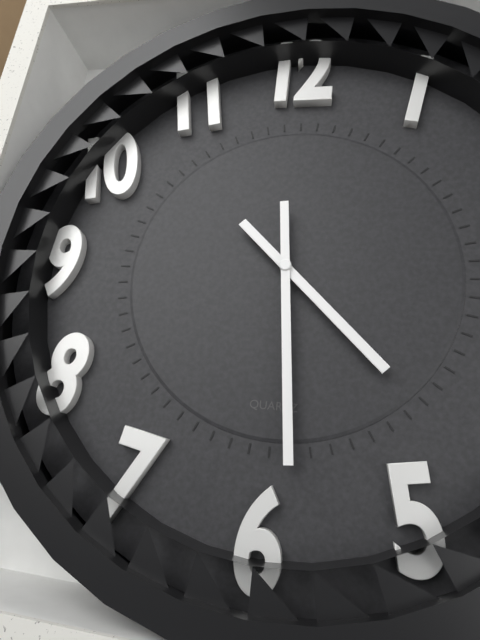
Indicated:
4,29
